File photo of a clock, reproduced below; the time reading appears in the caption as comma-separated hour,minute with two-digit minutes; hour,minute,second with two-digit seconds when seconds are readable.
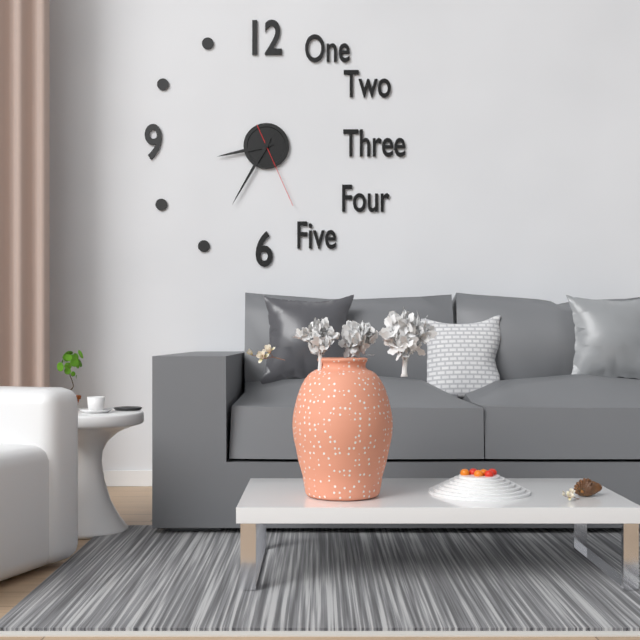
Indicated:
8,35,26
